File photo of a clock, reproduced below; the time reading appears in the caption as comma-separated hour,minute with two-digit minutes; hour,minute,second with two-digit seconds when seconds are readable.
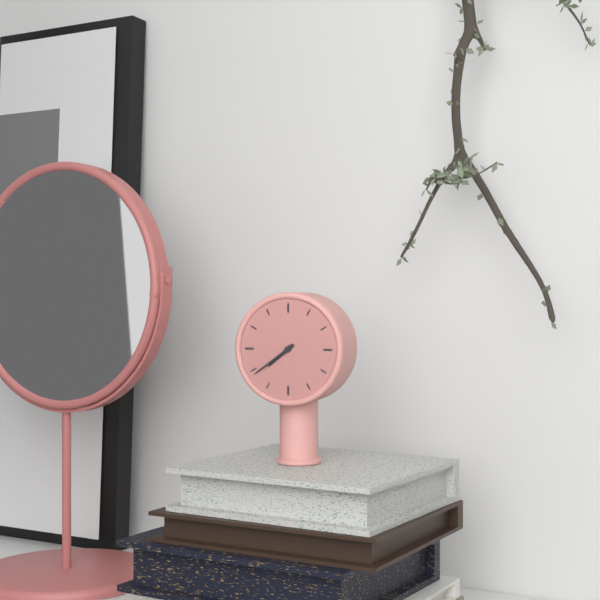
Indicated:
7,39
